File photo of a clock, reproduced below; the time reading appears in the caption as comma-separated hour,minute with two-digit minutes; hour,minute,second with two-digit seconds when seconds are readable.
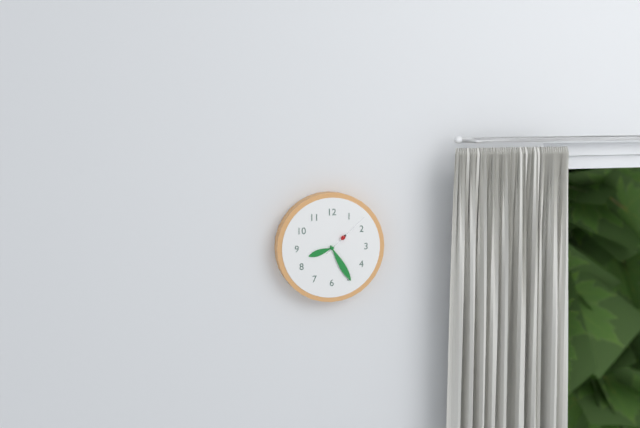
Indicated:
8,25,08
